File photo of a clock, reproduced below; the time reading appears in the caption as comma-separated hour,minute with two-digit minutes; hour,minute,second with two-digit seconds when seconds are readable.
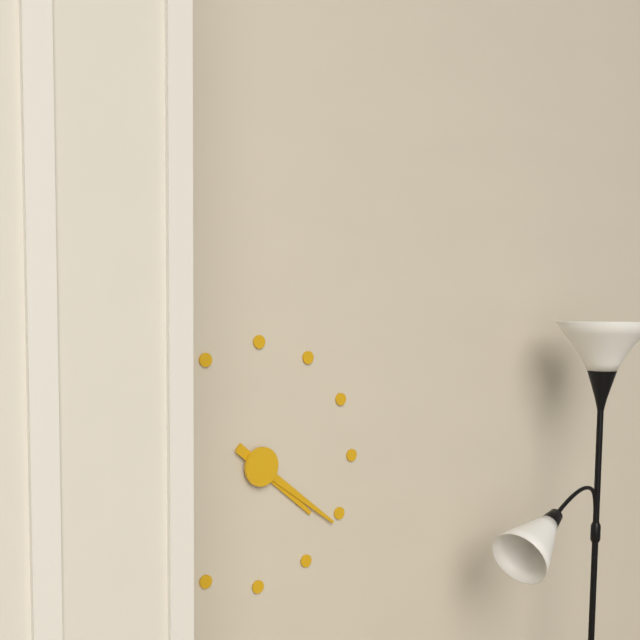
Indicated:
4,21
